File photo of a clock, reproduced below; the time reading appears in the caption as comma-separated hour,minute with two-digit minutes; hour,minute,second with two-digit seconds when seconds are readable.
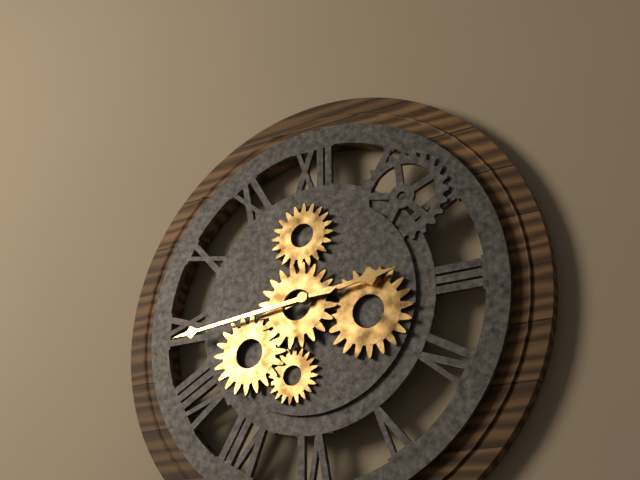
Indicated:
2,44
